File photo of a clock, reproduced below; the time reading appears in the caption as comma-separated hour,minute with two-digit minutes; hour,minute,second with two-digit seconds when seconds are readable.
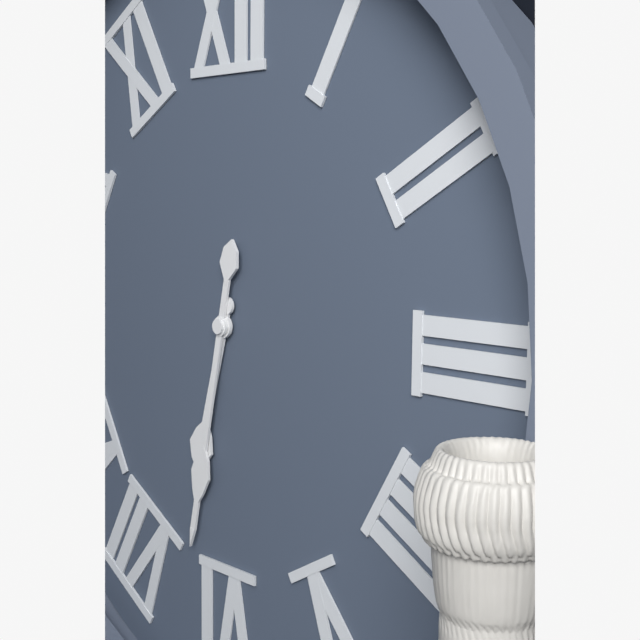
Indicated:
6,32
